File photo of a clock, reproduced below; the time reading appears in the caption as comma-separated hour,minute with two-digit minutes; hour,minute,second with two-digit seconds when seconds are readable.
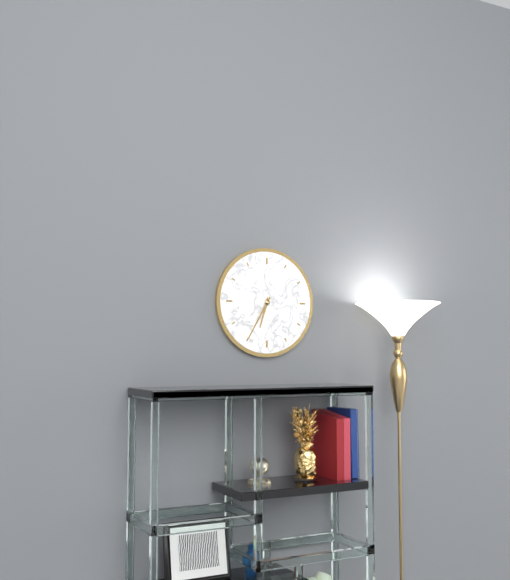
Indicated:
6,35
